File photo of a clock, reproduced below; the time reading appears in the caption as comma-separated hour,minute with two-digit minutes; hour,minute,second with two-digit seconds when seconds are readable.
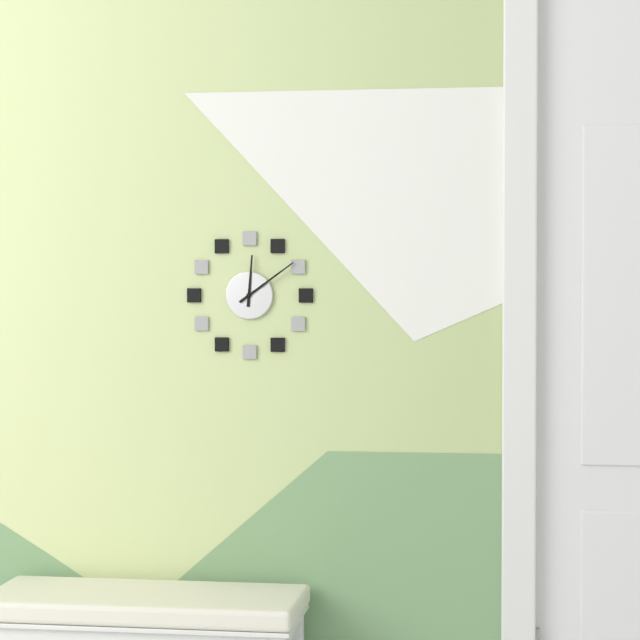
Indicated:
12,09
